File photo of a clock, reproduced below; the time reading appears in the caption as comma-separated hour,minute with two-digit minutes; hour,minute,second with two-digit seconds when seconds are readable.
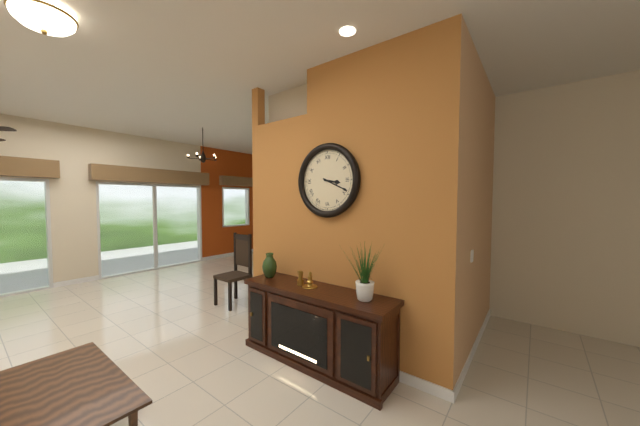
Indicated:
3,19
